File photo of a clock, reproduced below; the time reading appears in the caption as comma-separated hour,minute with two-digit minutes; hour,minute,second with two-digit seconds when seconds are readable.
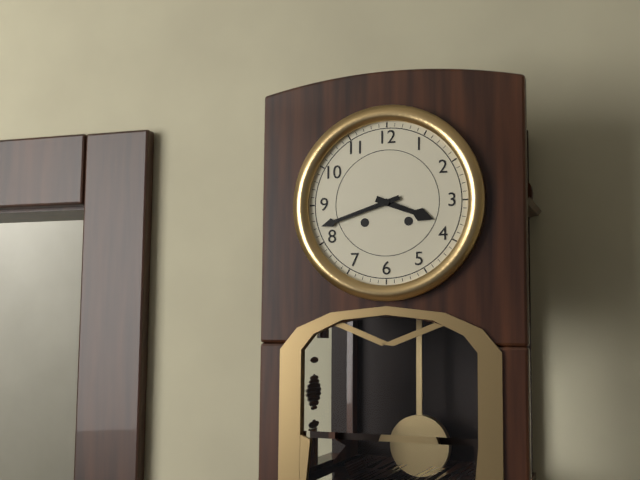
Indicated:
3,42
